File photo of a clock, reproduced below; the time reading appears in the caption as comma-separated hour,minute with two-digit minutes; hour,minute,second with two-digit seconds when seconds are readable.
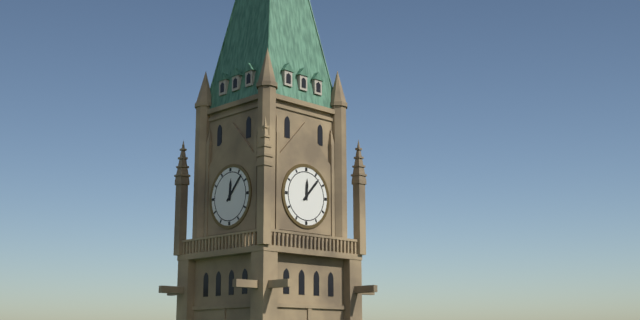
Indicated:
12,07
